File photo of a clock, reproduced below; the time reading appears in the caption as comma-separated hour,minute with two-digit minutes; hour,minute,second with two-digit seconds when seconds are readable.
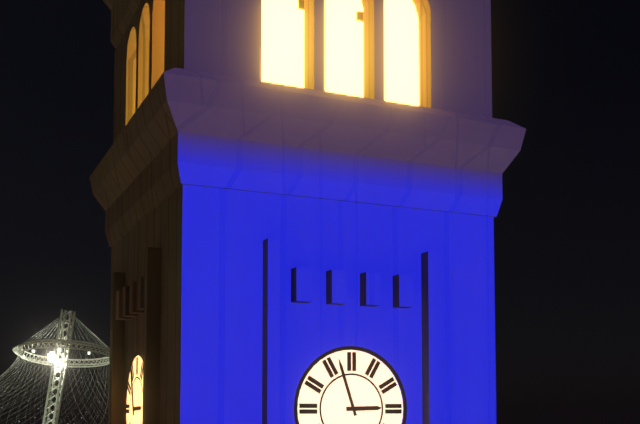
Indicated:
2,57
